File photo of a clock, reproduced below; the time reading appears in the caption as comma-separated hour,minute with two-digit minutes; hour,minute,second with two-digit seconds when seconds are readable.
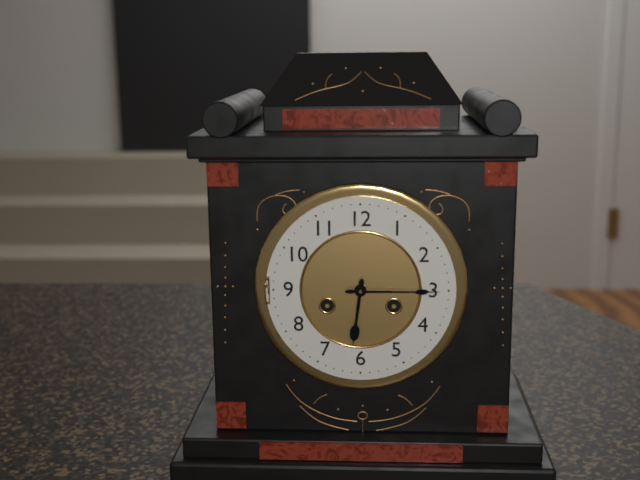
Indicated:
6,15
